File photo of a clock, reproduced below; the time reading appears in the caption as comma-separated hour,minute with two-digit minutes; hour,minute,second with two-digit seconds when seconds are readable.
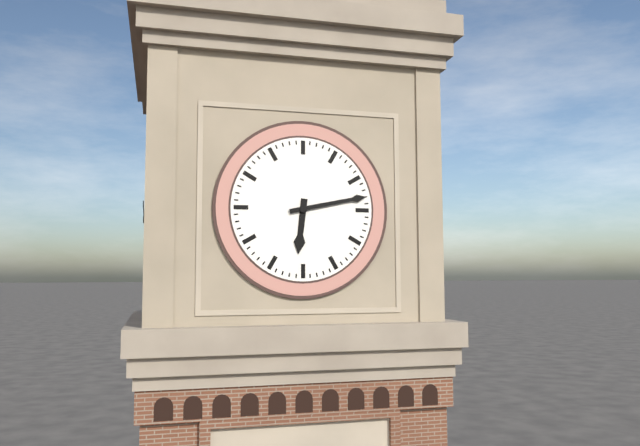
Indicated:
6,13
